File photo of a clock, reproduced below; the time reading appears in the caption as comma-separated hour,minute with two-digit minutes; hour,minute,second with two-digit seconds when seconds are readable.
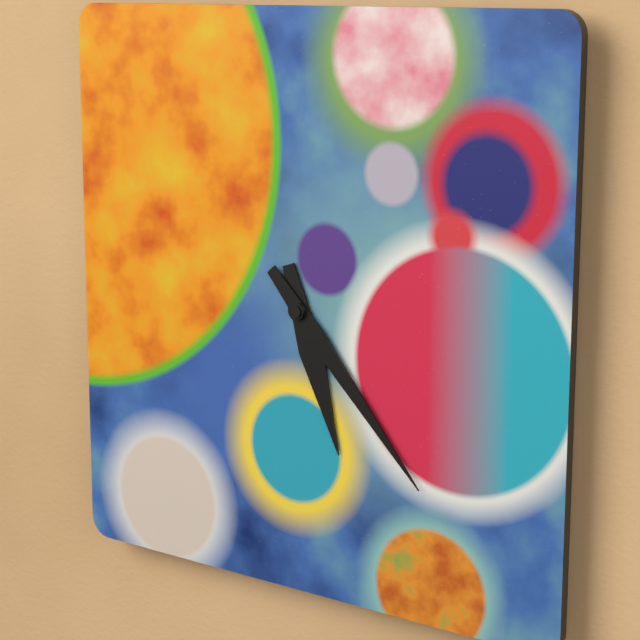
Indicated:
5,23
